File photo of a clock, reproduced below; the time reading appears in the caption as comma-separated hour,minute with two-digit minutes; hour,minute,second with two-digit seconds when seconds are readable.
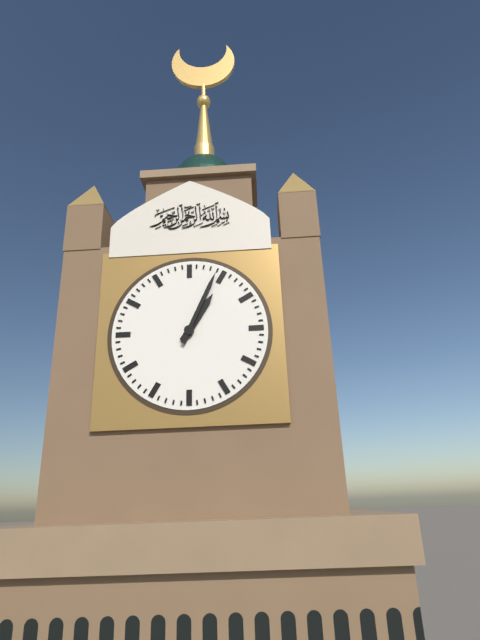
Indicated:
1,04
